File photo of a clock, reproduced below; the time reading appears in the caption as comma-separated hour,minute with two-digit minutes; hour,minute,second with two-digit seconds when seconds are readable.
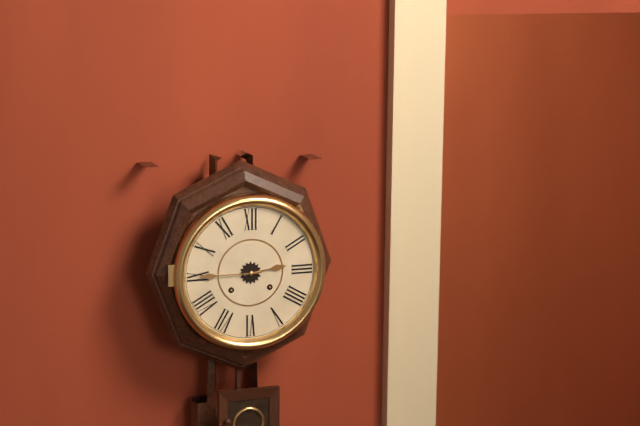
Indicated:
2,45
